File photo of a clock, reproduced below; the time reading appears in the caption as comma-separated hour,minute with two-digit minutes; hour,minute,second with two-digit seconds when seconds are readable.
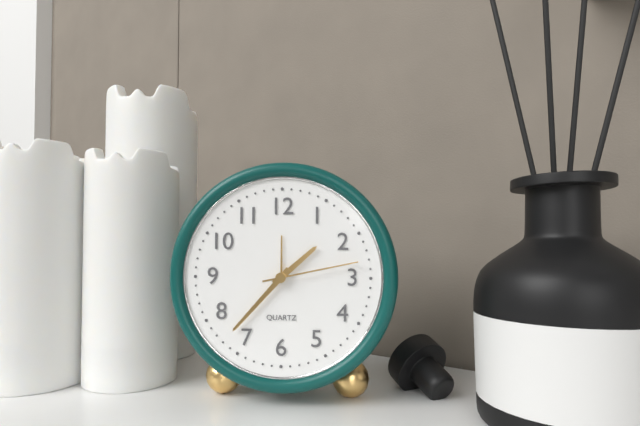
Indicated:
1,37,13
